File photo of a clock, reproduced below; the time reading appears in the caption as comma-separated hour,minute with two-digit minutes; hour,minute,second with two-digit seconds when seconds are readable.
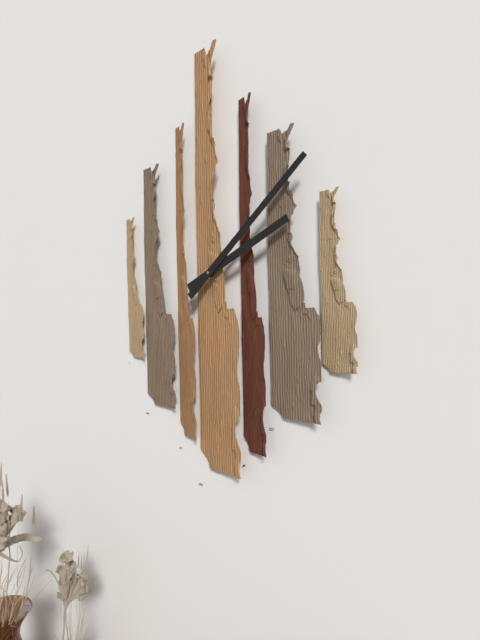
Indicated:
2,08
